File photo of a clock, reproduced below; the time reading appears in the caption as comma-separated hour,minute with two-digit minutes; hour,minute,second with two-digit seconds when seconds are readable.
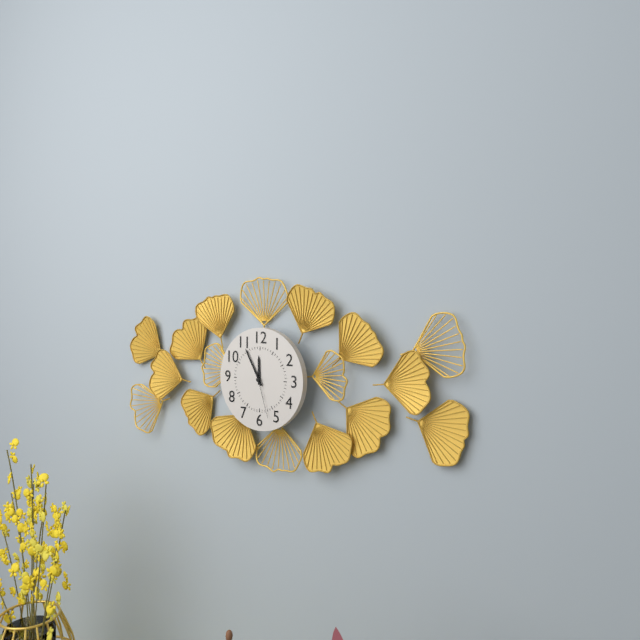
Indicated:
11,55
